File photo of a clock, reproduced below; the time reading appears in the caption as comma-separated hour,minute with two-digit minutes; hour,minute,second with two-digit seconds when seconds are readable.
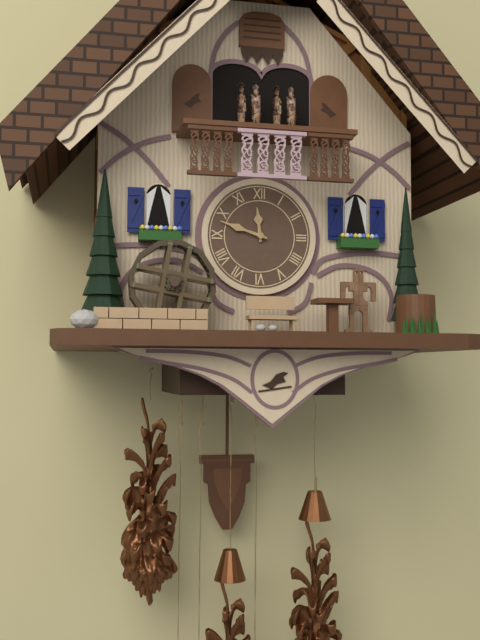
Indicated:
11,48
